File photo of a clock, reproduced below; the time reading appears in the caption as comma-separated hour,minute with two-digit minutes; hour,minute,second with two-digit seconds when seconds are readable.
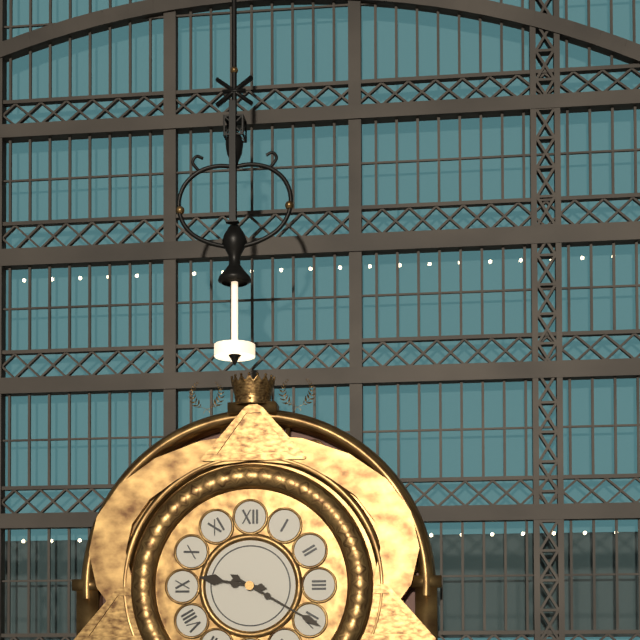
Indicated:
9,20
